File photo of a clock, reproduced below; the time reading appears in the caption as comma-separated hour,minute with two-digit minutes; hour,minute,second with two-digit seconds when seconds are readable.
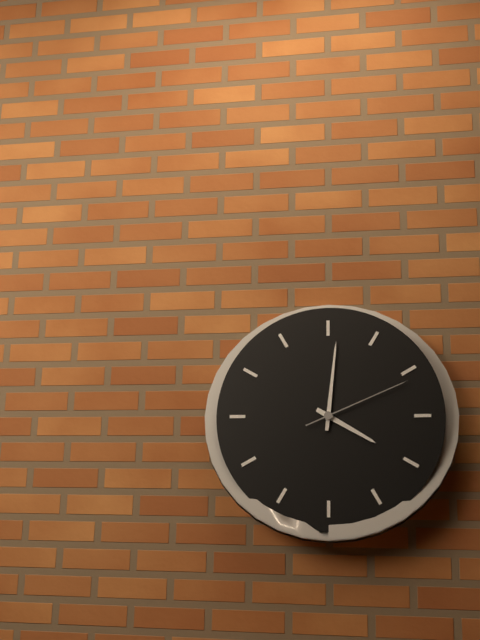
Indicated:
4,01,11
